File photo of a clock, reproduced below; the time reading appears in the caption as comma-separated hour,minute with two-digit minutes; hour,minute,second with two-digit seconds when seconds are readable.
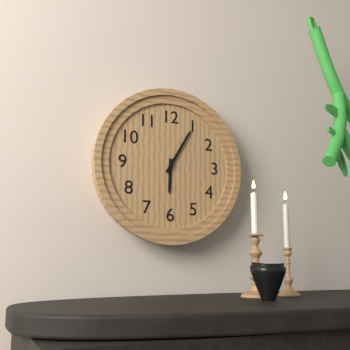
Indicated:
6,05
